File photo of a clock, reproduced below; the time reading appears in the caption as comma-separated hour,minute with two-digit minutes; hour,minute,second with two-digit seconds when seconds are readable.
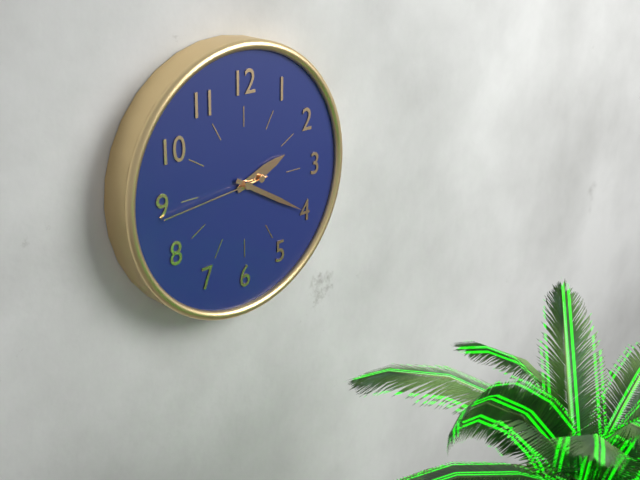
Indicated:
2,20,44
